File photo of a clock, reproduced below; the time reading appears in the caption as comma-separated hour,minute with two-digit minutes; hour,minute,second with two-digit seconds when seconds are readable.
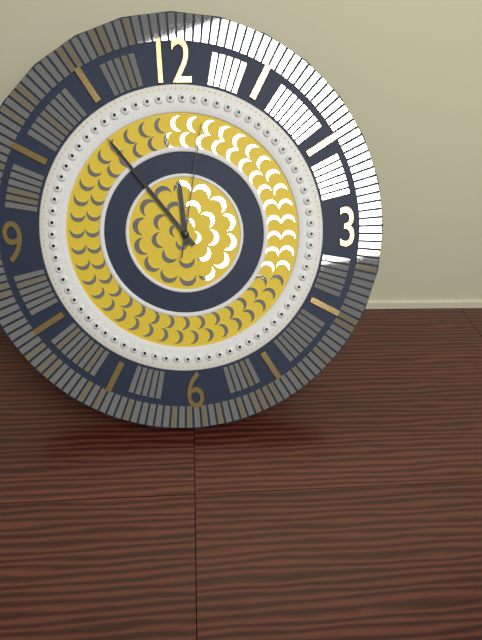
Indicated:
11,54,02
